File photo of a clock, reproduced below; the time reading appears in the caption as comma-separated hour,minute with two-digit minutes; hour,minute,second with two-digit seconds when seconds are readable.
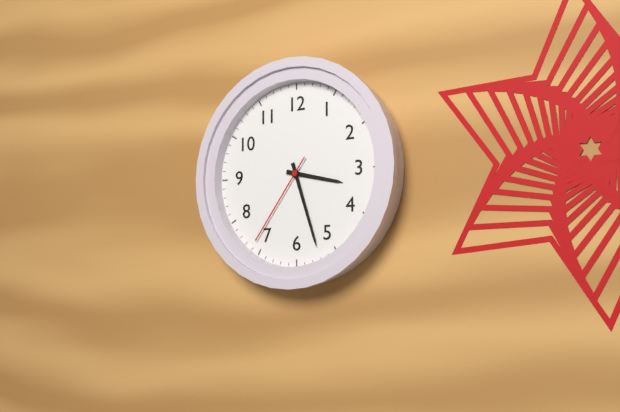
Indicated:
3,27,36
